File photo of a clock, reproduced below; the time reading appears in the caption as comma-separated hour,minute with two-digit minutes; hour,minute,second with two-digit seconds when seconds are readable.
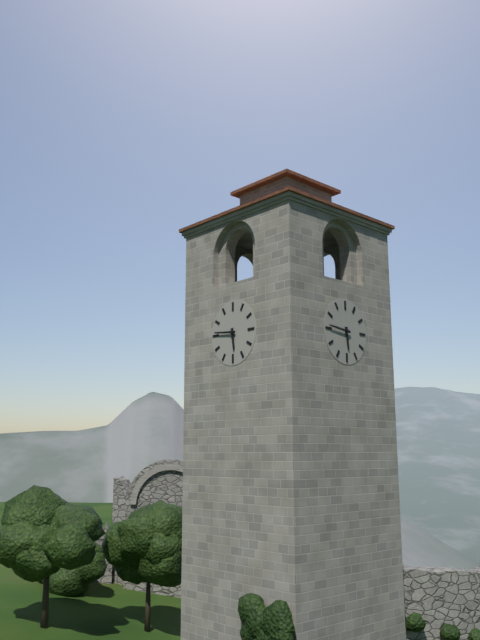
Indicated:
5,46
